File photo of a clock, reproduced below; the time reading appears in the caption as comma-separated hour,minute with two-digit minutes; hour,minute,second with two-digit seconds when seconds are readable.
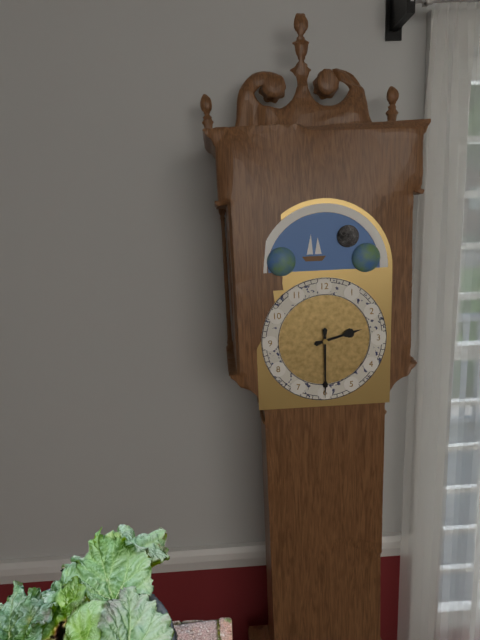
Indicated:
2,30
